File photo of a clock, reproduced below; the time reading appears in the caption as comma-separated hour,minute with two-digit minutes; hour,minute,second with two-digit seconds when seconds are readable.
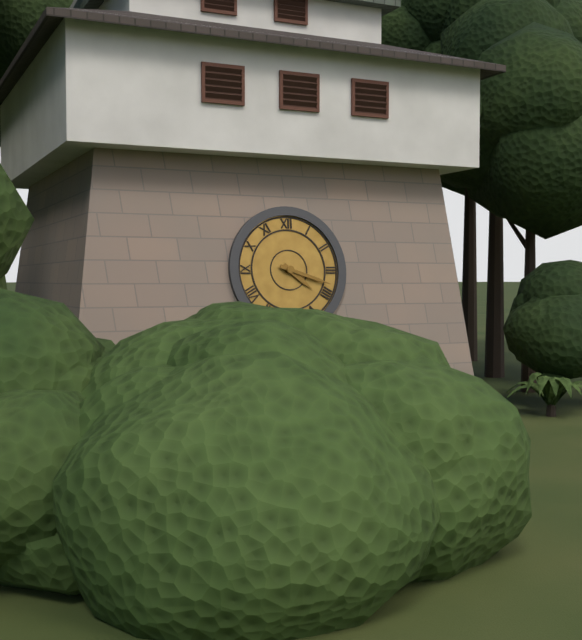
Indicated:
4,18
